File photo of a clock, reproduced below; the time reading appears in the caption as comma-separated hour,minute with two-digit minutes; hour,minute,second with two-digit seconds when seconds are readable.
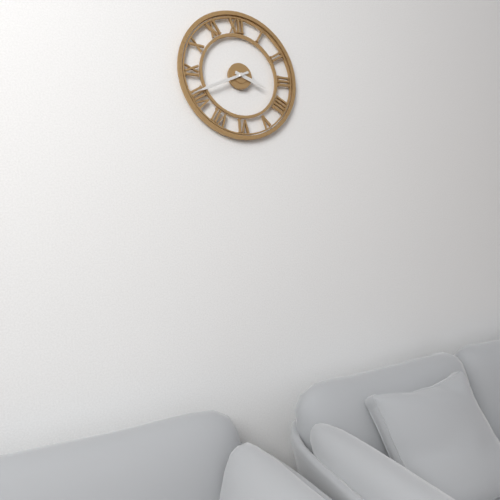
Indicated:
3,41
